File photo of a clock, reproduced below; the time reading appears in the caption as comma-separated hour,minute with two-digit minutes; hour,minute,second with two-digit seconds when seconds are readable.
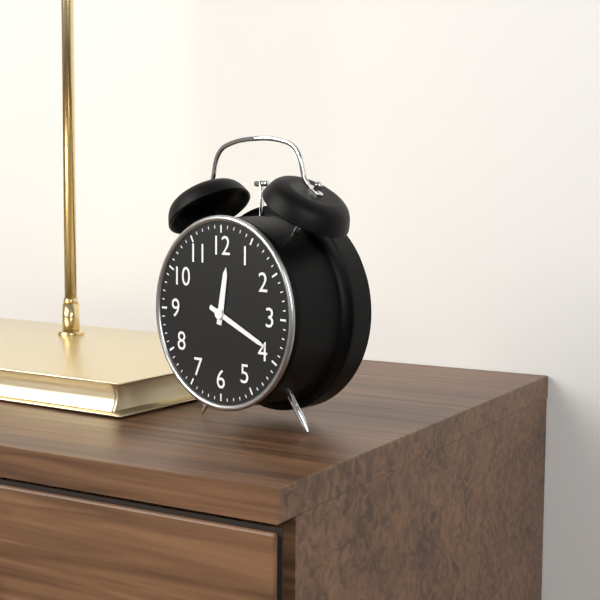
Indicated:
12,19
